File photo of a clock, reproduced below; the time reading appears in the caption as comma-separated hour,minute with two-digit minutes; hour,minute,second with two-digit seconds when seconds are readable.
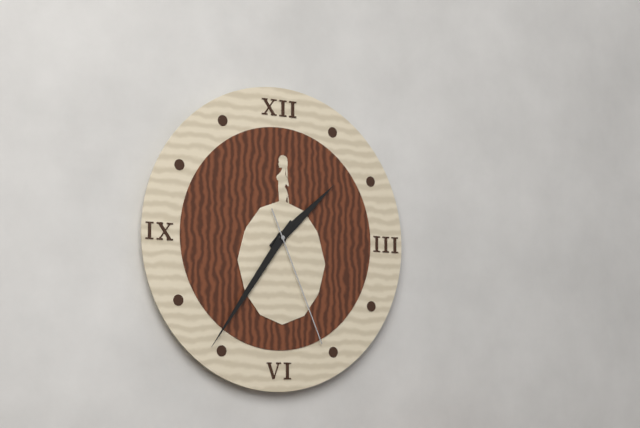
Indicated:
1,36,26
